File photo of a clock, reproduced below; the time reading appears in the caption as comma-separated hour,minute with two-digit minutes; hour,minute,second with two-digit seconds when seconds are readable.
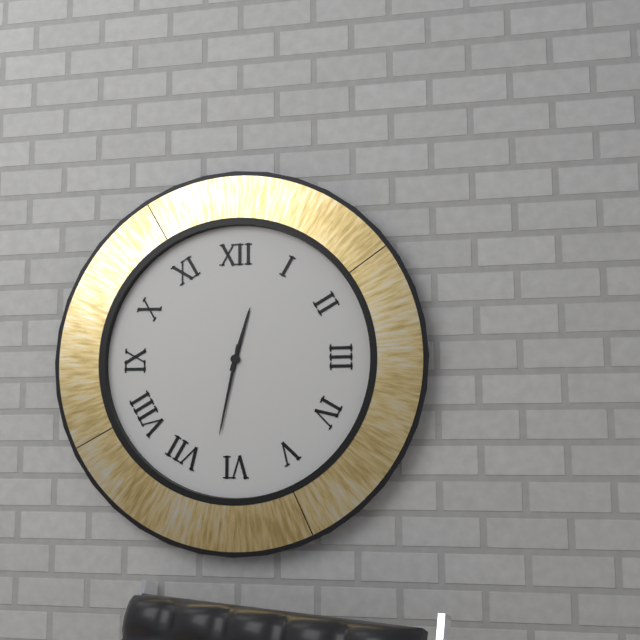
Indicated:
12,32
